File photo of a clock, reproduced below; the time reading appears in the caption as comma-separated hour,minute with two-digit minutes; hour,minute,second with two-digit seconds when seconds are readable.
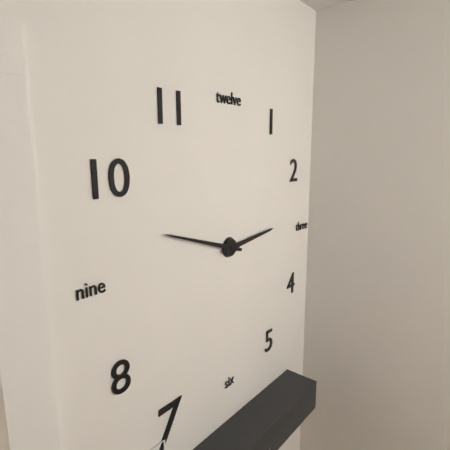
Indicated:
2,48
